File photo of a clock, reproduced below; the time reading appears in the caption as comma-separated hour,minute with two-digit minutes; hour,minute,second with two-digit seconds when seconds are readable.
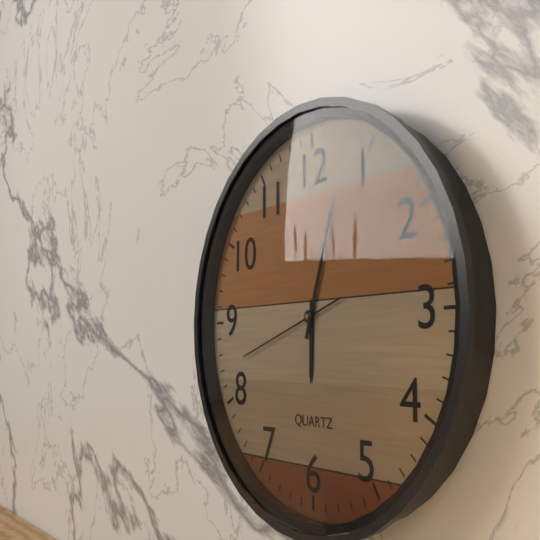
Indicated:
6,03,42
